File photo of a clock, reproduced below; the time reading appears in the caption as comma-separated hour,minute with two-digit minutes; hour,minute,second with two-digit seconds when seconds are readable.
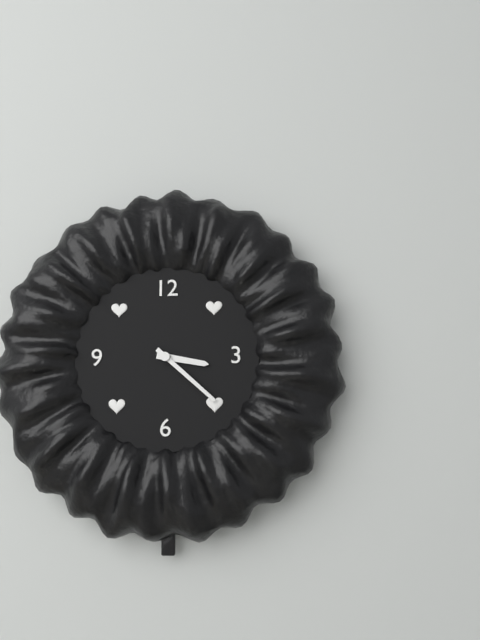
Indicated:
3,22
